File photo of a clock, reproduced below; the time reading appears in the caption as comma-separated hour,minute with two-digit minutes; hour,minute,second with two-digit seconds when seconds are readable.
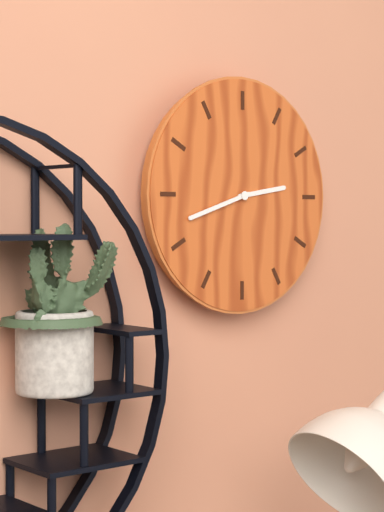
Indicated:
2,42
